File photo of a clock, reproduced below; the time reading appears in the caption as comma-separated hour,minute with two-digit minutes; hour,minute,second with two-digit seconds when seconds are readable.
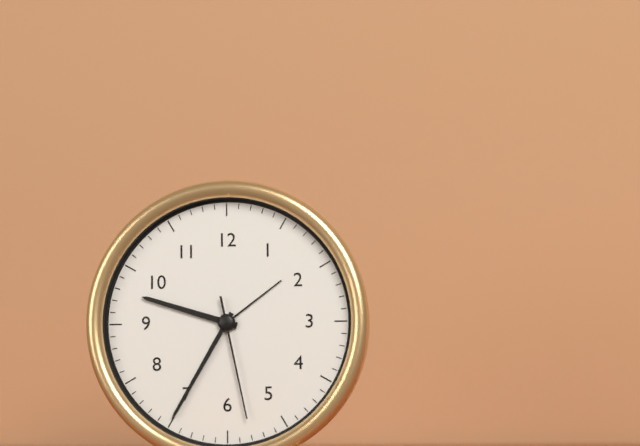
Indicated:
9,35,28
